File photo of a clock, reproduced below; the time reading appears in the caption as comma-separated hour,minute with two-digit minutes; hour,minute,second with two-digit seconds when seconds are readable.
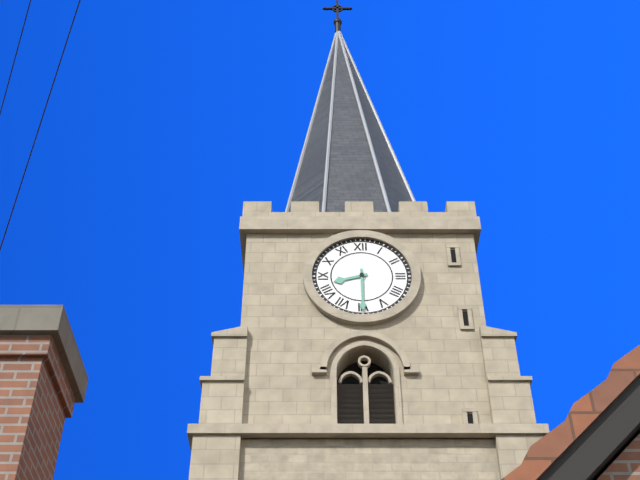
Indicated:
8,30
